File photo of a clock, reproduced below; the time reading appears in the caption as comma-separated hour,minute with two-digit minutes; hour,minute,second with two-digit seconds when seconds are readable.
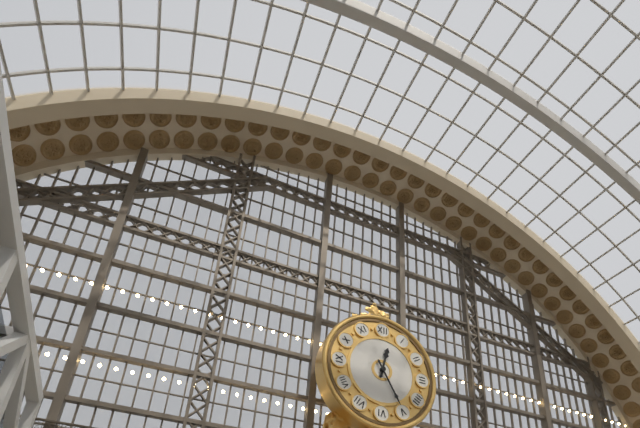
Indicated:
12,25
